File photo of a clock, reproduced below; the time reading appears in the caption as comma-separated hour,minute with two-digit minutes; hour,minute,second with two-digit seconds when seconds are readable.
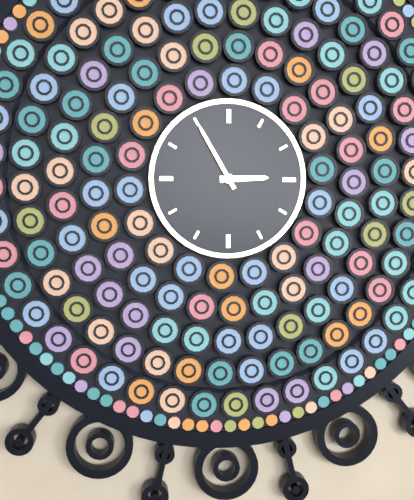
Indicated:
2,55
